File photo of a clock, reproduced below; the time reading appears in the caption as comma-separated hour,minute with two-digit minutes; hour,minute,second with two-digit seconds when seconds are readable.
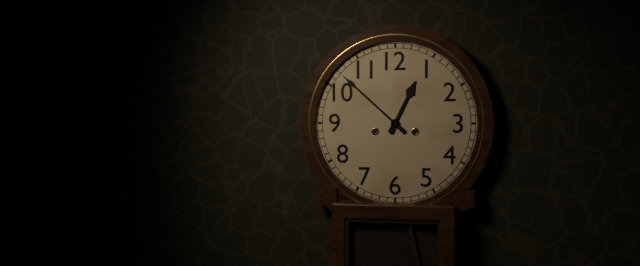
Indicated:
12,52
